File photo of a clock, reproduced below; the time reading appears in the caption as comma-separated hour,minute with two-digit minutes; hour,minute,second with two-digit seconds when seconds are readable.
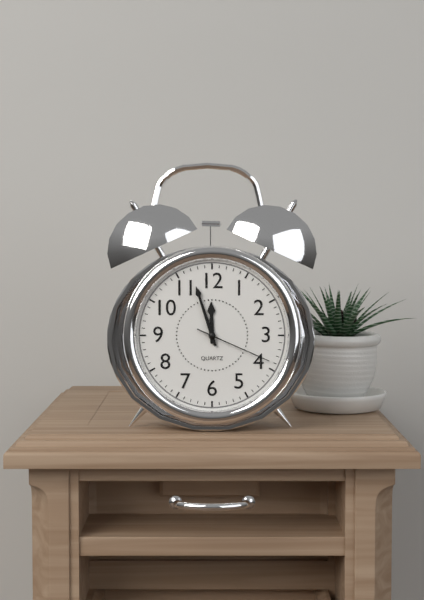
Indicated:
11,57,19
